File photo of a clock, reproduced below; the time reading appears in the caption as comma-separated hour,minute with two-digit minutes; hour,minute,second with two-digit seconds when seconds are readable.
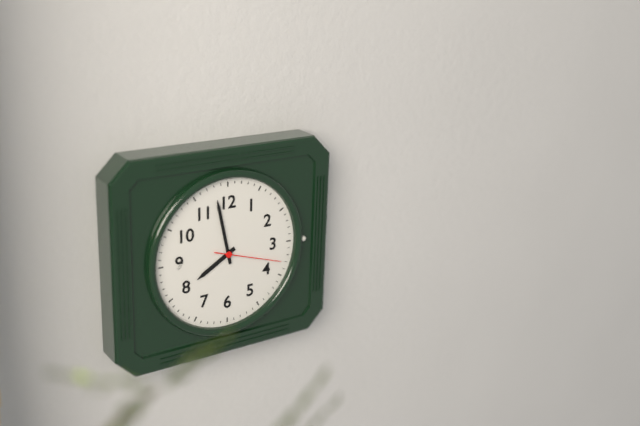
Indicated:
7,58,18
